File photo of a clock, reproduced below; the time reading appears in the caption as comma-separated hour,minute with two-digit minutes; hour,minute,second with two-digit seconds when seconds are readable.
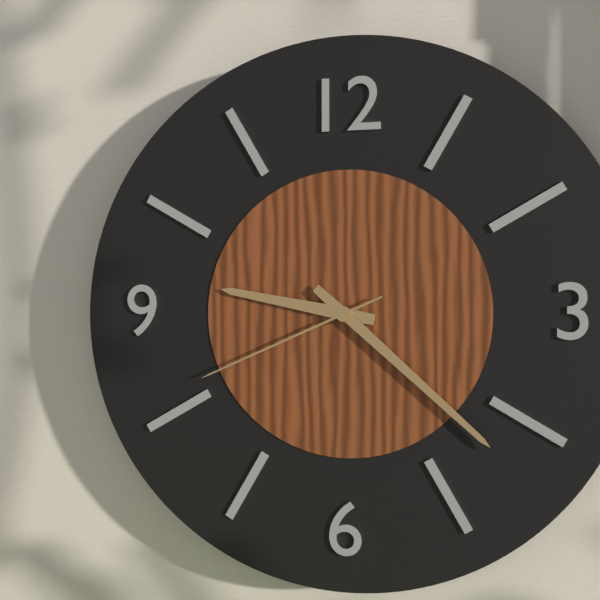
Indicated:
9,22,41
